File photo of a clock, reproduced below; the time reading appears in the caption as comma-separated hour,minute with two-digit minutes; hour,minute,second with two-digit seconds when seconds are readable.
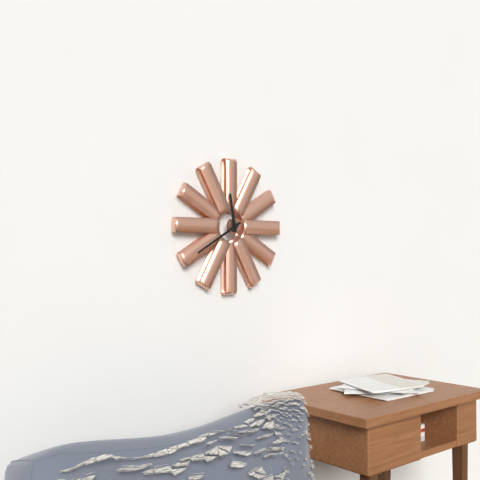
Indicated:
11,40
